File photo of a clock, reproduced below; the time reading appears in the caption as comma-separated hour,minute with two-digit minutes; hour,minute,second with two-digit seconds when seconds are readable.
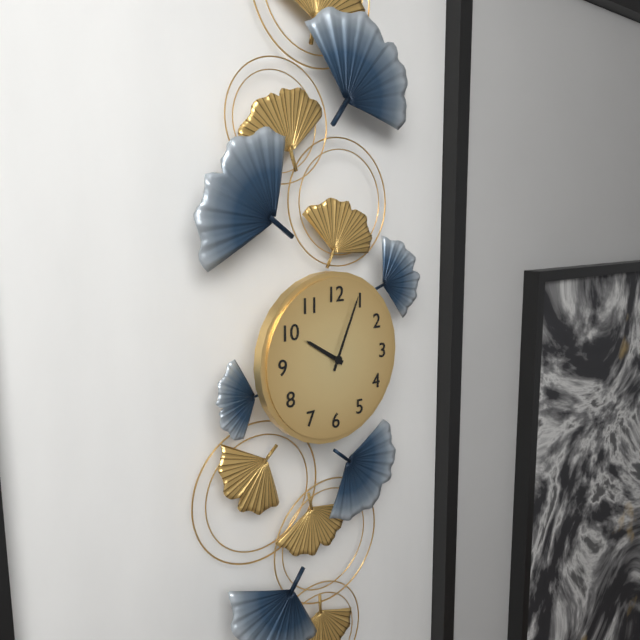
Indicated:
10,04
